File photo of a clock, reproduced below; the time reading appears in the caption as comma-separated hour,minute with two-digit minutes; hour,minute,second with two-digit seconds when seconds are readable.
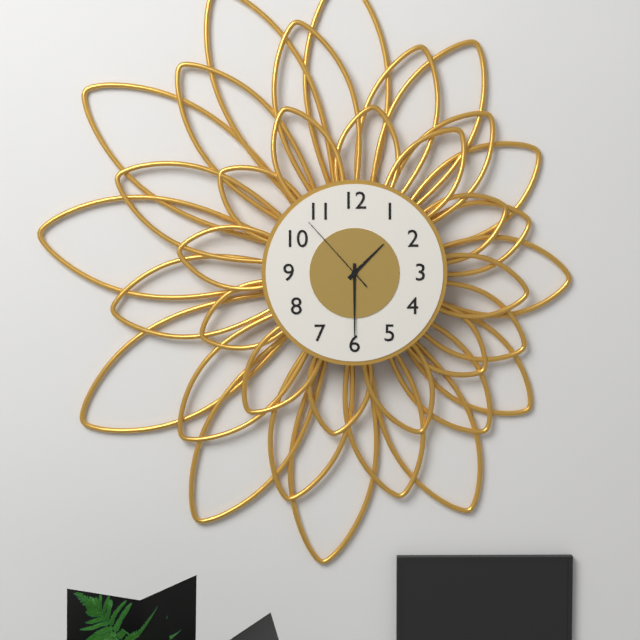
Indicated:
1,30,53
